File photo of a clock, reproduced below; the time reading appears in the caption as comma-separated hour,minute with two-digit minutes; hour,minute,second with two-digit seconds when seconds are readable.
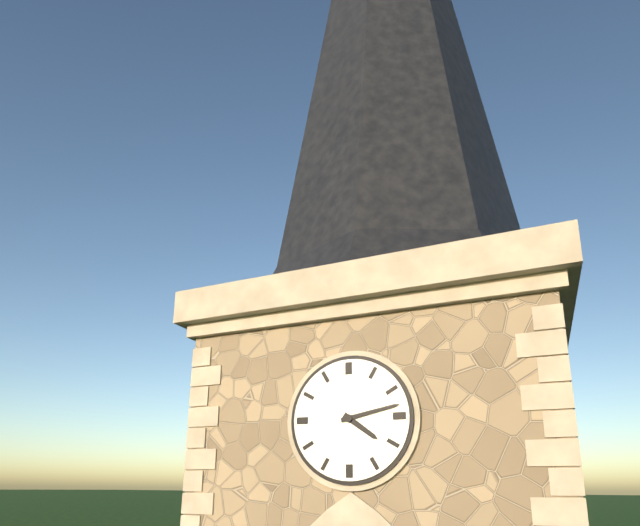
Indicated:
4,13
